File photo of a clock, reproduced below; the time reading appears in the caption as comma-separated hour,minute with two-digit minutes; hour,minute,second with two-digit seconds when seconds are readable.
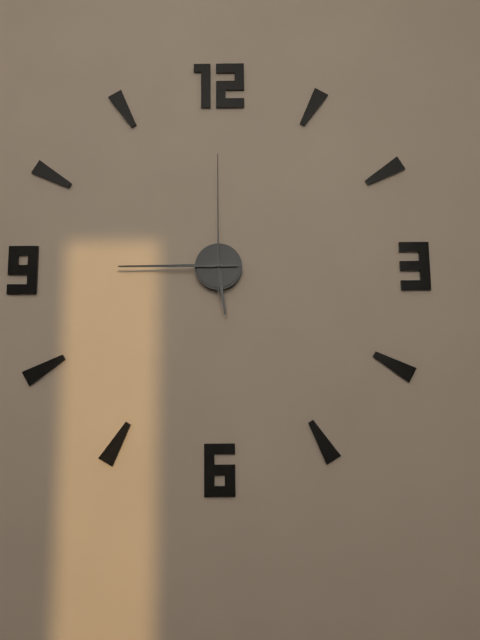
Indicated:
5,45,00
